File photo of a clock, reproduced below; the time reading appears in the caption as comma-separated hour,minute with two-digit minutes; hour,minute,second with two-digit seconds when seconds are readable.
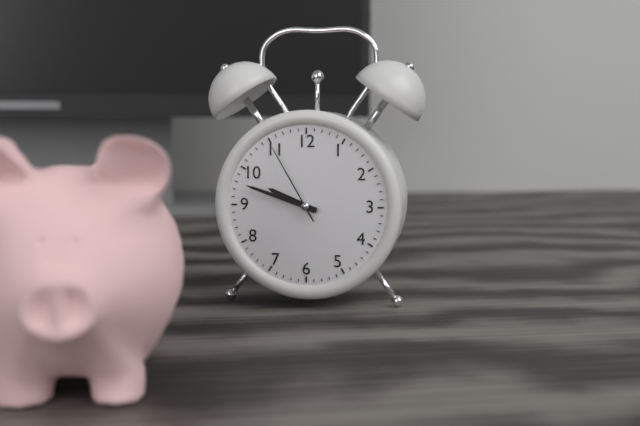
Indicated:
9,48,55
